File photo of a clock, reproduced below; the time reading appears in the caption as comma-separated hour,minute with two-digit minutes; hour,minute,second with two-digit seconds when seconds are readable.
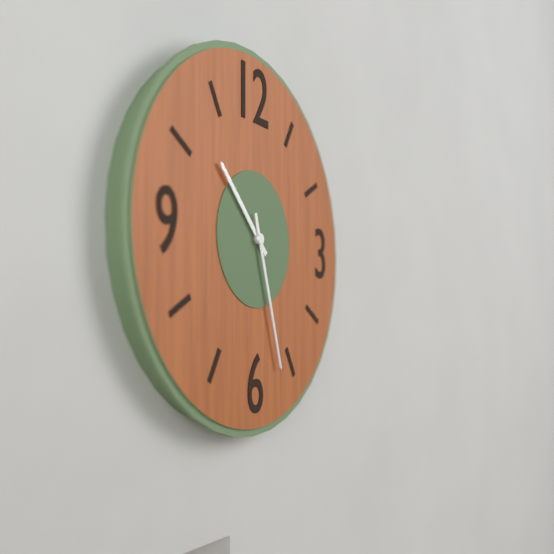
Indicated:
10,27
